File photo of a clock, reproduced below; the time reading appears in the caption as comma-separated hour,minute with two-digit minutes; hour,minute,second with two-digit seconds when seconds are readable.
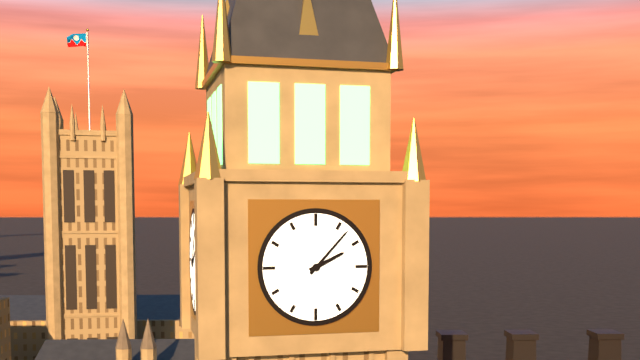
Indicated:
2,07
